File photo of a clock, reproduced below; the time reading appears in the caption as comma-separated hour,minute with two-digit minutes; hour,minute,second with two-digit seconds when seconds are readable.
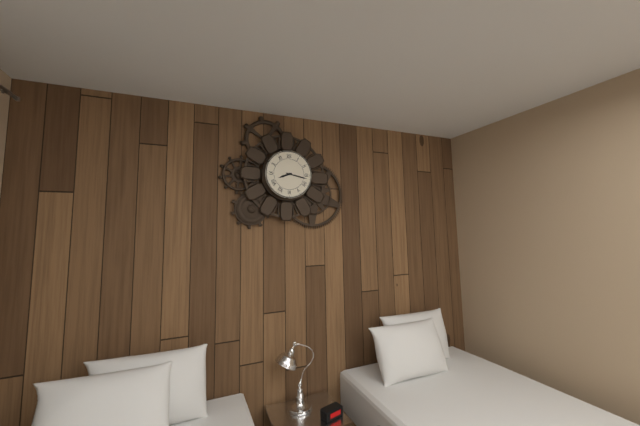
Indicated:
8,17
